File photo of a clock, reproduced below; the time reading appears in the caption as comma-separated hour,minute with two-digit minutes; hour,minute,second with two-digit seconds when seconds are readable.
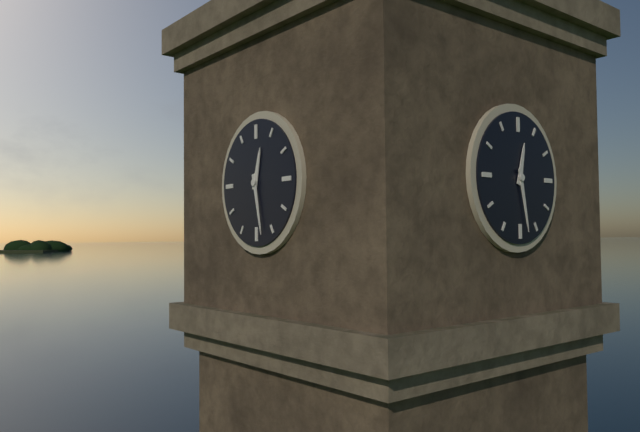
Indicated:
12,28
